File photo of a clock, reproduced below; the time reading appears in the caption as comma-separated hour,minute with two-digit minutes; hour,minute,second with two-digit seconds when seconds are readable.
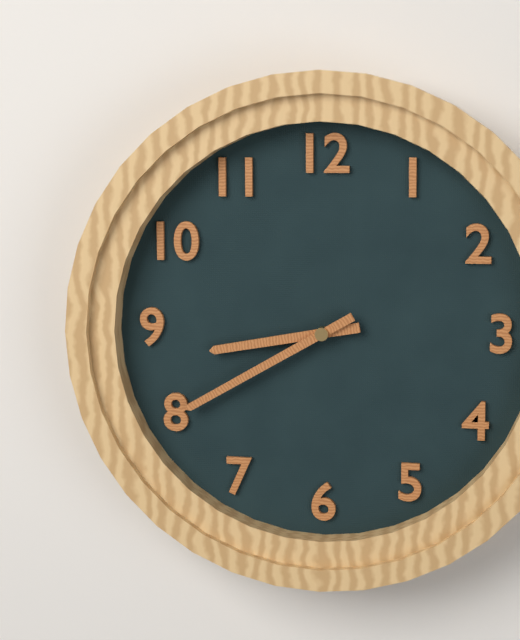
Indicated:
8,40
